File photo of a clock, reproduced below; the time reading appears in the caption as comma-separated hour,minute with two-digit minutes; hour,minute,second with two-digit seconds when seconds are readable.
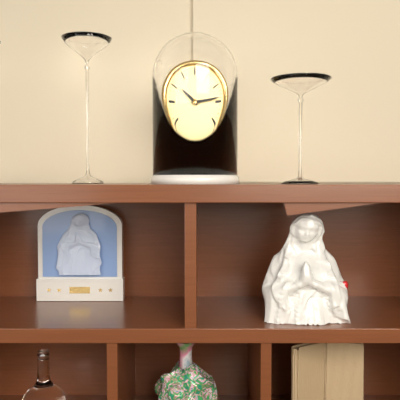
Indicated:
10,14
